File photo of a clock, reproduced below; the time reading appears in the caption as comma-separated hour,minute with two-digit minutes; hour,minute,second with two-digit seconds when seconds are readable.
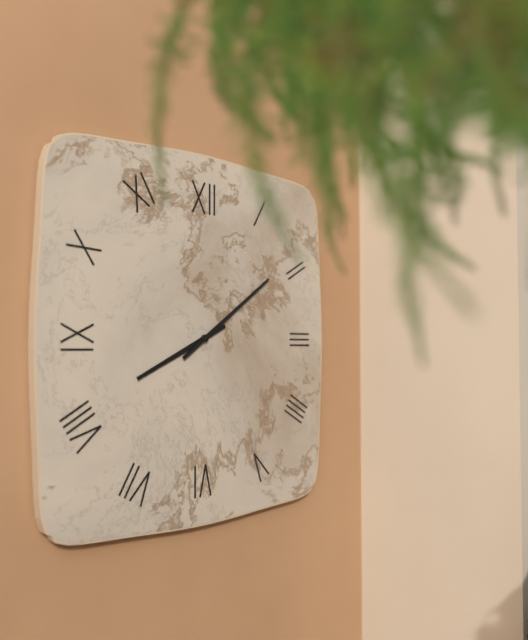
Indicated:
8,09
